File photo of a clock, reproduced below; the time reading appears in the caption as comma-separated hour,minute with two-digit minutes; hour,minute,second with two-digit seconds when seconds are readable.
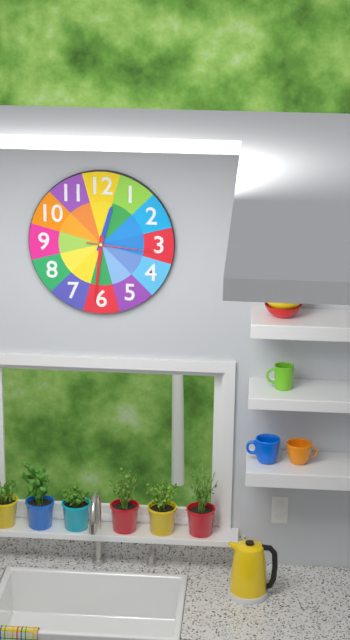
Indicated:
12,31,16
